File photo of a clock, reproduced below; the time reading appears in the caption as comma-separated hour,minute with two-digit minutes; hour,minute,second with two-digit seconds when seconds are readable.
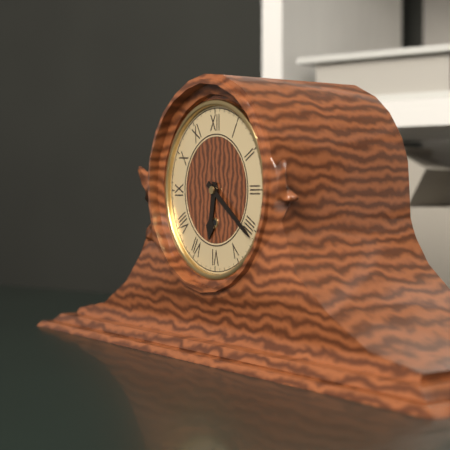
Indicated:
6,21
